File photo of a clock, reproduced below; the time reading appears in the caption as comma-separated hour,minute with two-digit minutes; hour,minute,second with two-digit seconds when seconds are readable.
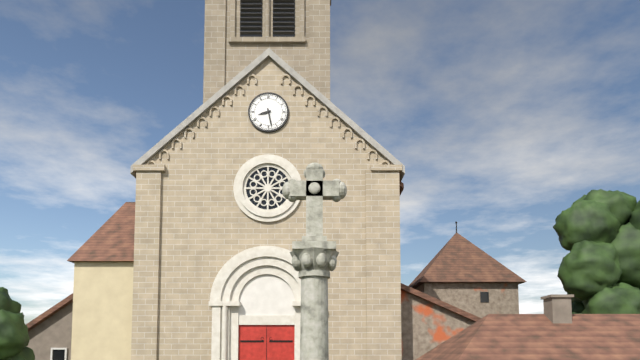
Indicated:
8,28
